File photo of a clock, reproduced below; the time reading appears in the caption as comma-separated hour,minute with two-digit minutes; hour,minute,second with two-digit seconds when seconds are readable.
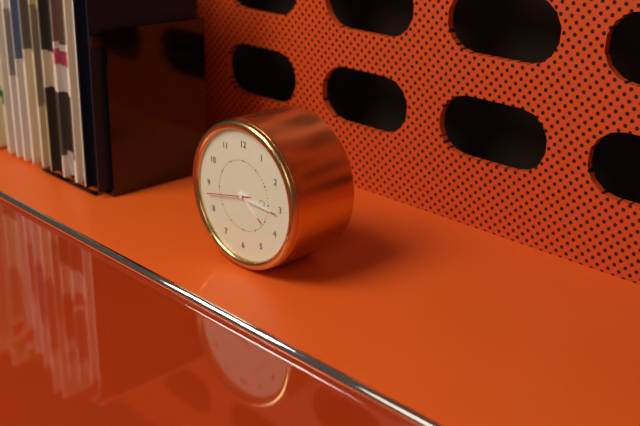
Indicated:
4,16
